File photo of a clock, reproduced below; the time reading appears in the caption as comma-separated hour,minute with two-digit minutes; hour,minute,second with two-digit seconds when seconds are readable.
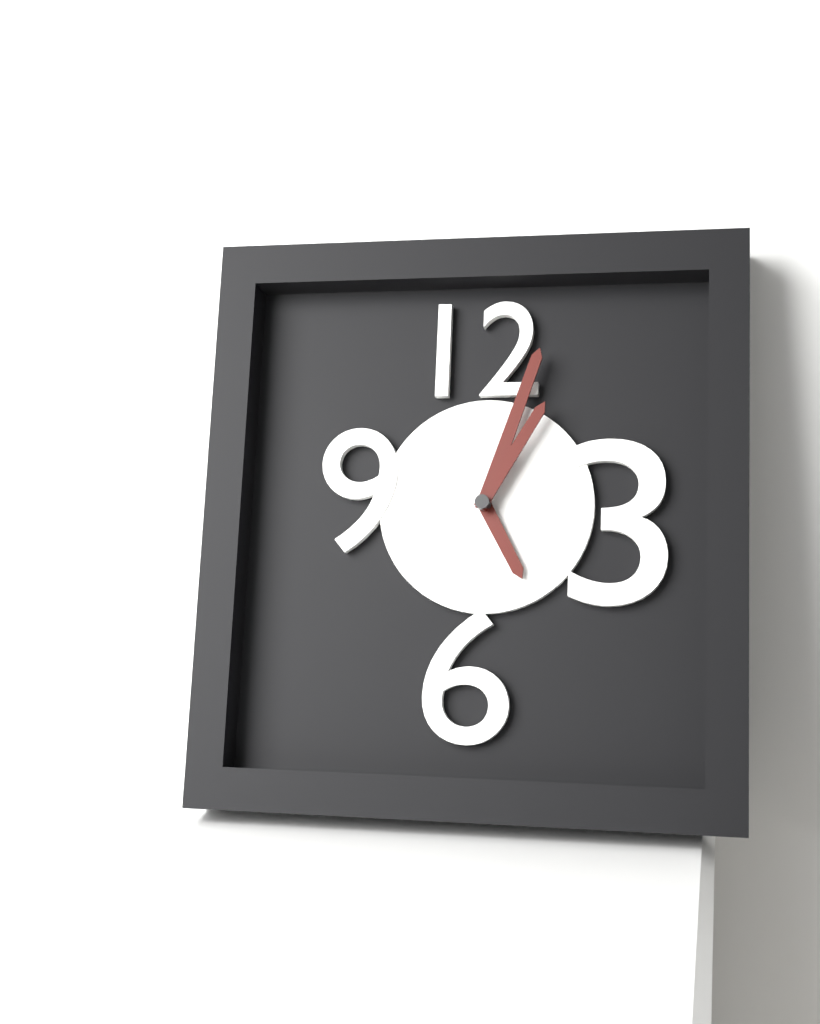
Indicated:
5,03,05
